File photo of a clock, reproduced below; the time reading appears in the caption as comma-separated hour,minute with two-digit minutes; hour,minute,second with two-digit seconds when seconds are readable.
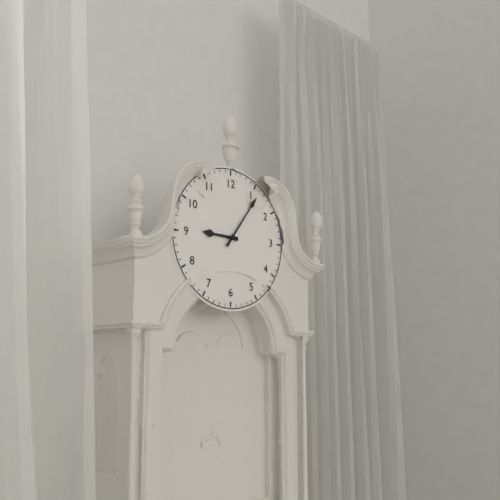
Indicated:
9,06
